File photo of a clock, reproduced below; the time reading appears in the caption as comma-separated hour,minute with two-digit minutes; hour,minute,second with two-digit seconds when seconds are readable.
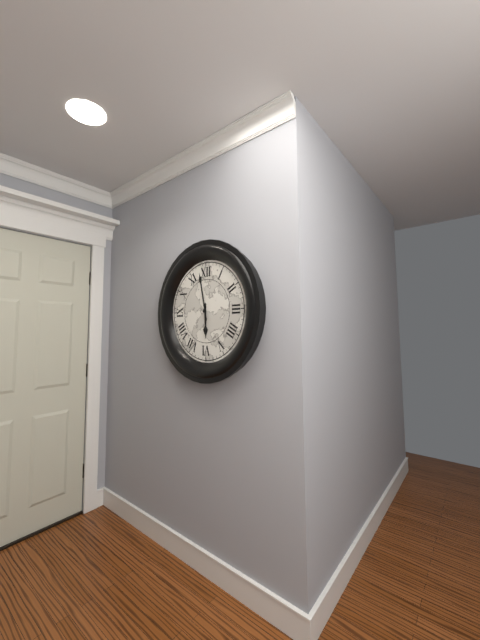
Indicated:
5,58
